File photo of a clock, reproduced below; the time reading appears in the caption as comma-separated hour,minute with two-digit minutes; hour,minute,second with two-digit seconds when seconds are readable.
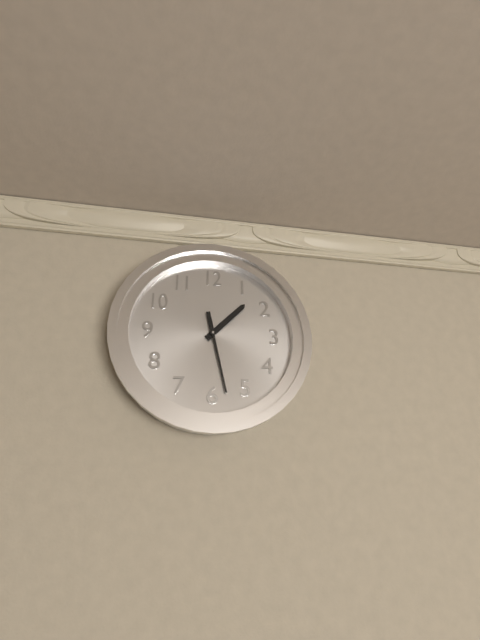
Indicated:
1,28
